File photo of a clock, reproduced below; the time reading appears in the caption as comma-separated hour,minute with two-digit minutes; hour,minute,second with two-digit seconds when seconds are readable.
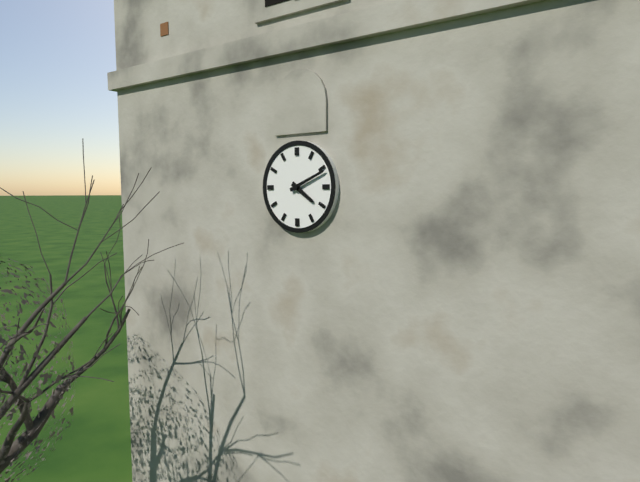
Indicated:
4,11
